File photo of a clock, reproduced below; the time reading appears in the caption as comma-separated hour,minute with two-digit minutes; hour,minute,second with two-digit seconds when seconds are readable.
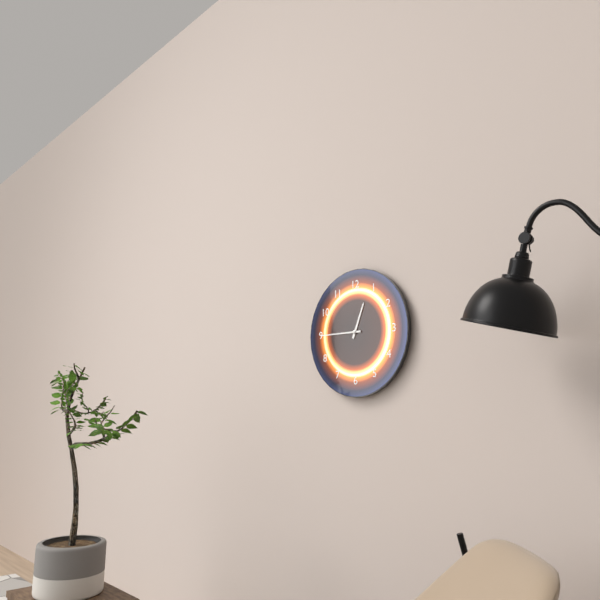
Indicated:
12,45
